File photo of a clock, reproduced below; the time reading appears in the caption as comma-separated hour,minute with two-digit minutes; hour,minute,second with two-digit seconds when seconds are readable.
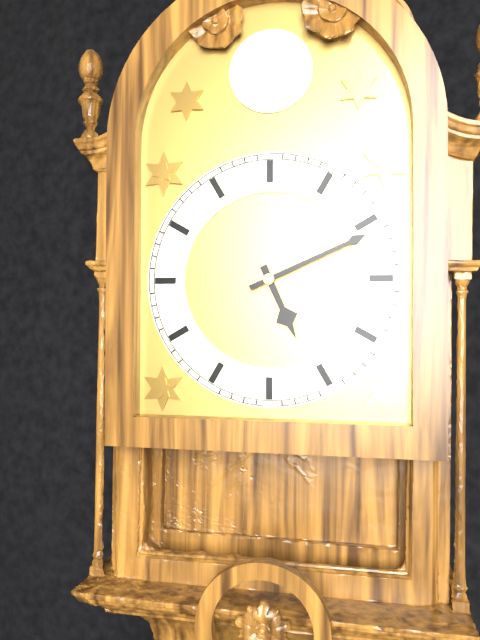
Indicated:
5,11
